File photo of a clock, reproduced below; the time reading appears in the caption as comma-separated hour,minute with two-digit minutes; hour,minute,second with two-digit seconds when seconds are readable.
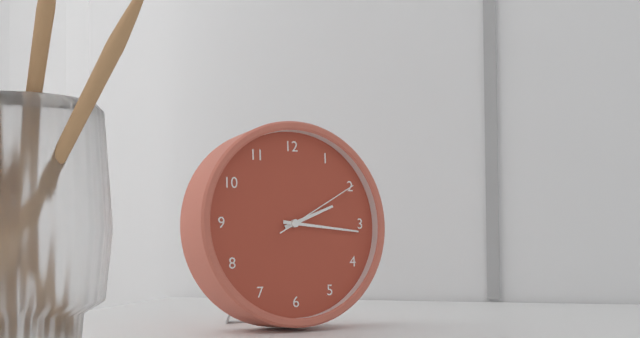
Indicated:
2,16,10
